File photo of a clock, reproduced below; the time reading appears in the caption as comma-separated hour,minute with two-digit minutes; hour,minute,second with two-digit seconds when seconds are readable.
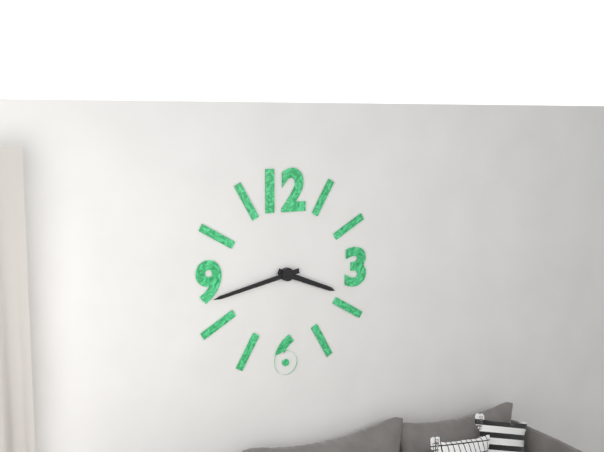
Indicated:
3,43
